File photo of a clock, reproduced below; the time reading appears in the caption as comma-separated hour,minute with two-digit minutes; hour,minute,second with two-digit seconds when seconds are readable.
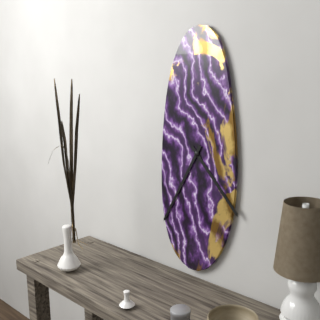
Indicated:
4,35
